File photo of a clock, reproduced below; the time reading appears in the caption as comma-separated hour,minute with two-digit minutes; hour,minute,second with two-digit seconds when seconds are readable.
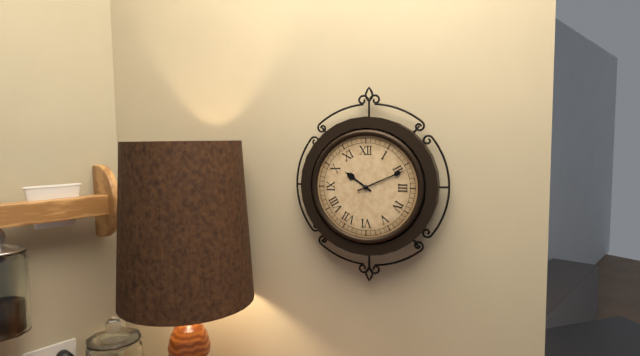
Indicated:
10,11
